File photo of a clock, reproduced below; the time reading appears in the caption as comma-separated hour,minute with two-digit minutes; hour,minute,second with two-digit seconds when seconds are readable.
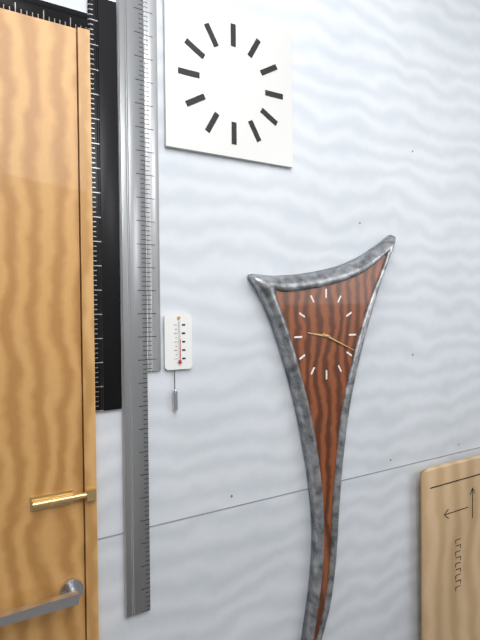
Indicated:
9,19
